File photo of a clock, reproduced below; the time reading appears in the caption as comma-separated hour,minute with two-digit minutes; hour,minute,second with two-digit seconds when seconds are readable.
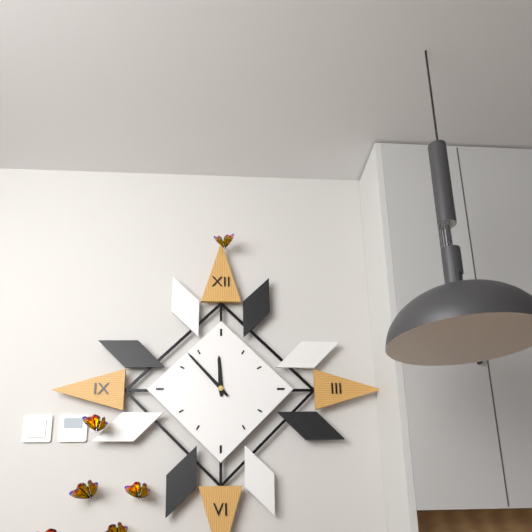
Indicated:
11,53
